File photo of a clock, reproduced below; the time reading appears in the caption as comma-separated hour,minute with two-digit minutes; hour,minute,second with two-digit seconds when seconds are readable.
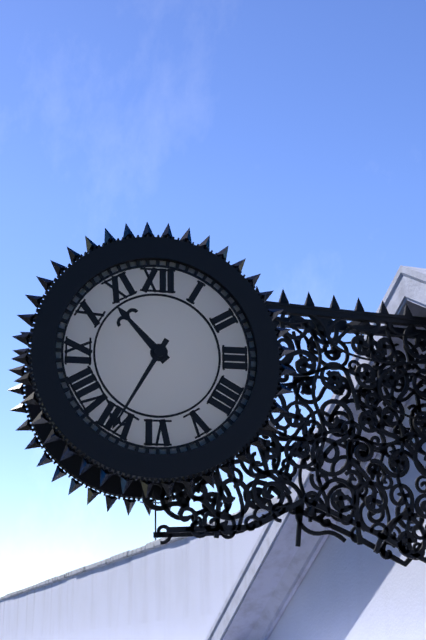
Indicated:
10,35
